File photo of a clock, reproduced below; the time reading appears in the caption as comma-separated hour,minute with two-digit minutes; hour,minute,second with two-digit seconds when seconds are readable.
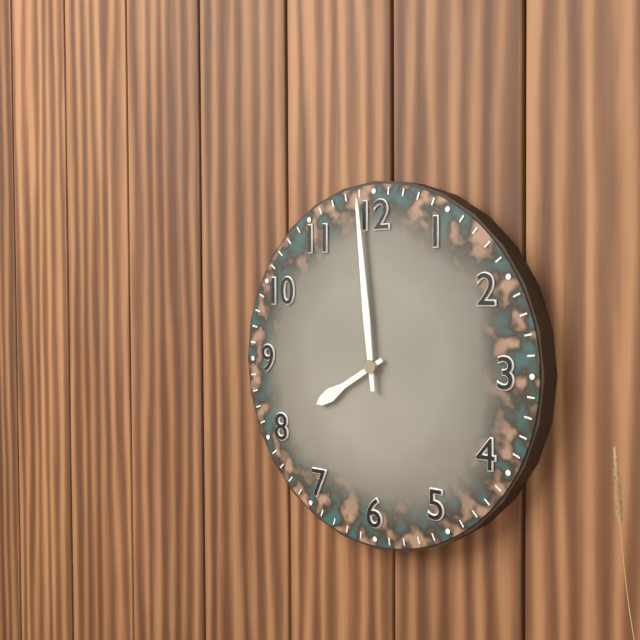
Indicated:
7,59
